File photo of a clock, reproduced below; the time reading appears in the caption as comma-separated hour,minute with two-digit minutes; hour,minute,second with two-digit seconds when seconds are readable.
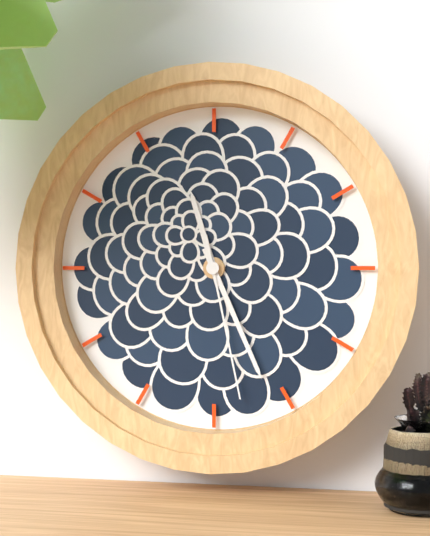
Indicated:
11,26,28
